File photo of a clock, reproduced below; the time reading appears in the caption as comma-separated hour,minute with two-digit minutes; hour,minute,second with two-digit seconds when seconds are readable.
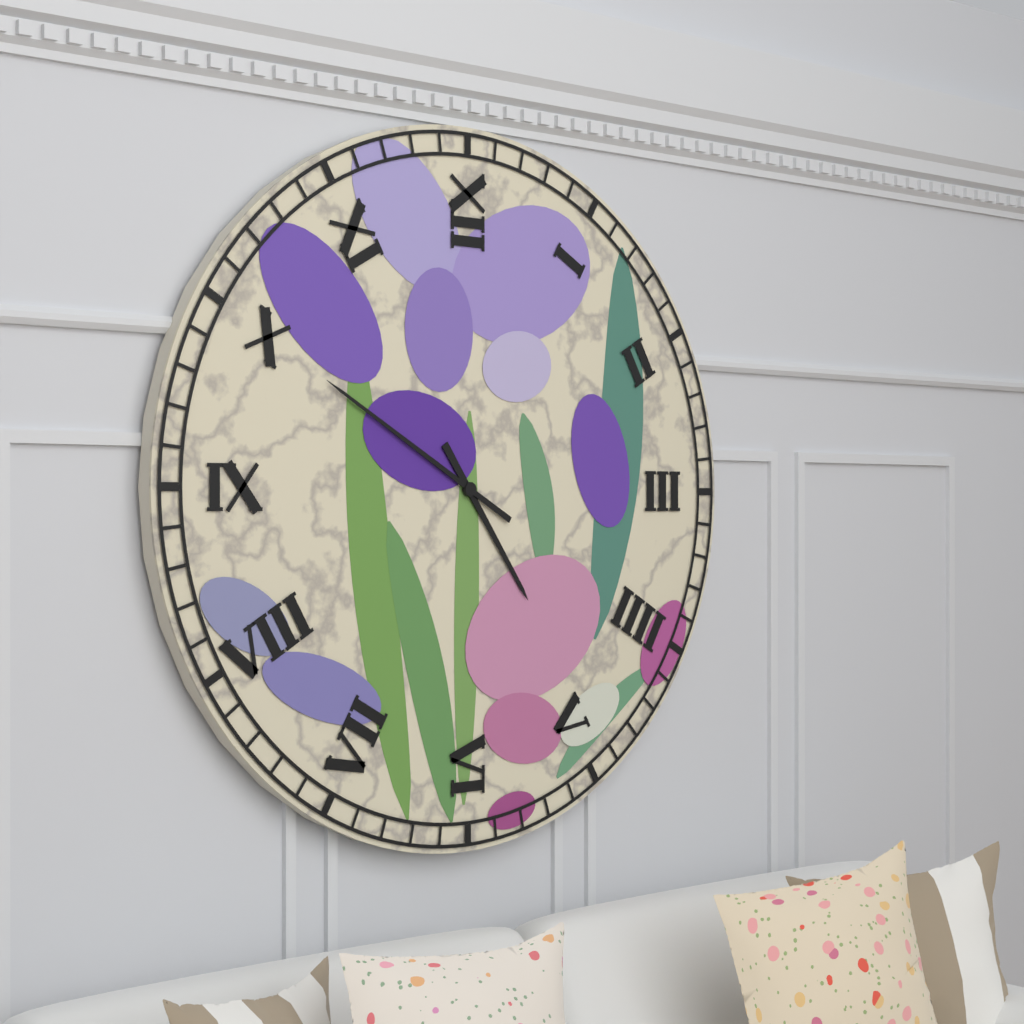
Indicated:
4,50
